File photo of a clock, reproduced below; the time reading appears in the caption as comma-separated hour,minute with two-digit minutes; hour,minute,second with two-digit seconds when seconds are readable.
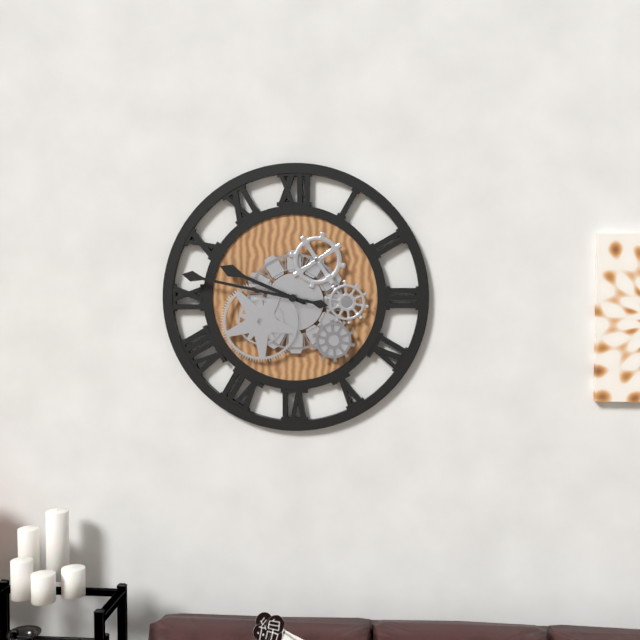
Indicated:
9,47
